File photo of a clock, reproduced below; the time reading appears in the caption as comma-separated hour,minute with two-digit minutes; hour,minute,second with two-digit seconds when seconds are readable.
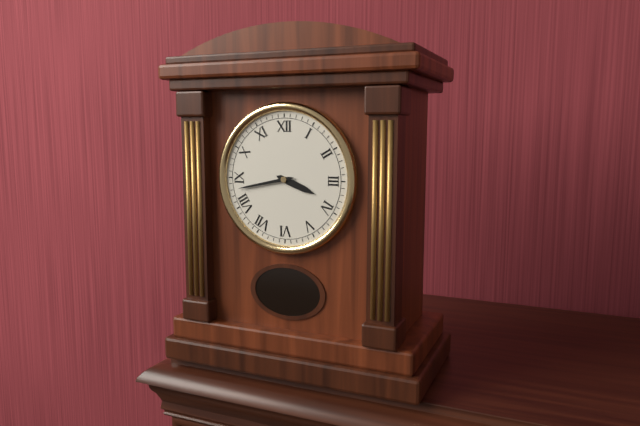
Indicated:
3,43
